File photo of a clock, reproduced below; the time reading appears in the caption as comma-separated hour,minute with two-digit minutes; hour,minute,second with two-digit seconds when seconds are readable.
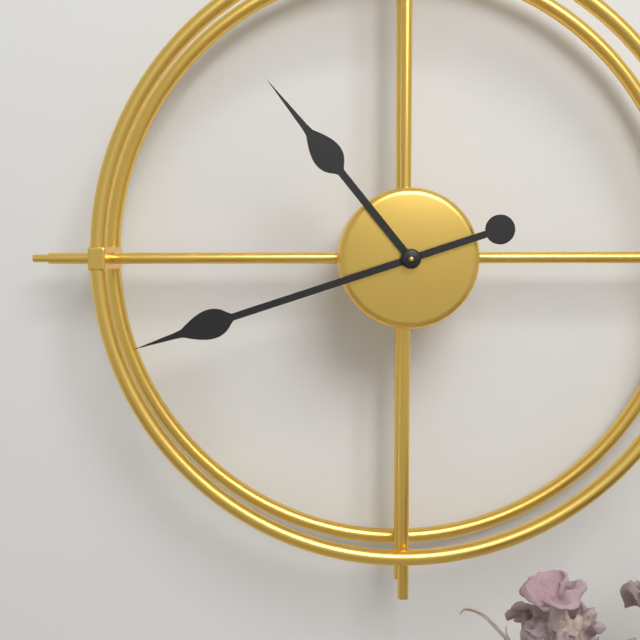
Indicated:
10,42
